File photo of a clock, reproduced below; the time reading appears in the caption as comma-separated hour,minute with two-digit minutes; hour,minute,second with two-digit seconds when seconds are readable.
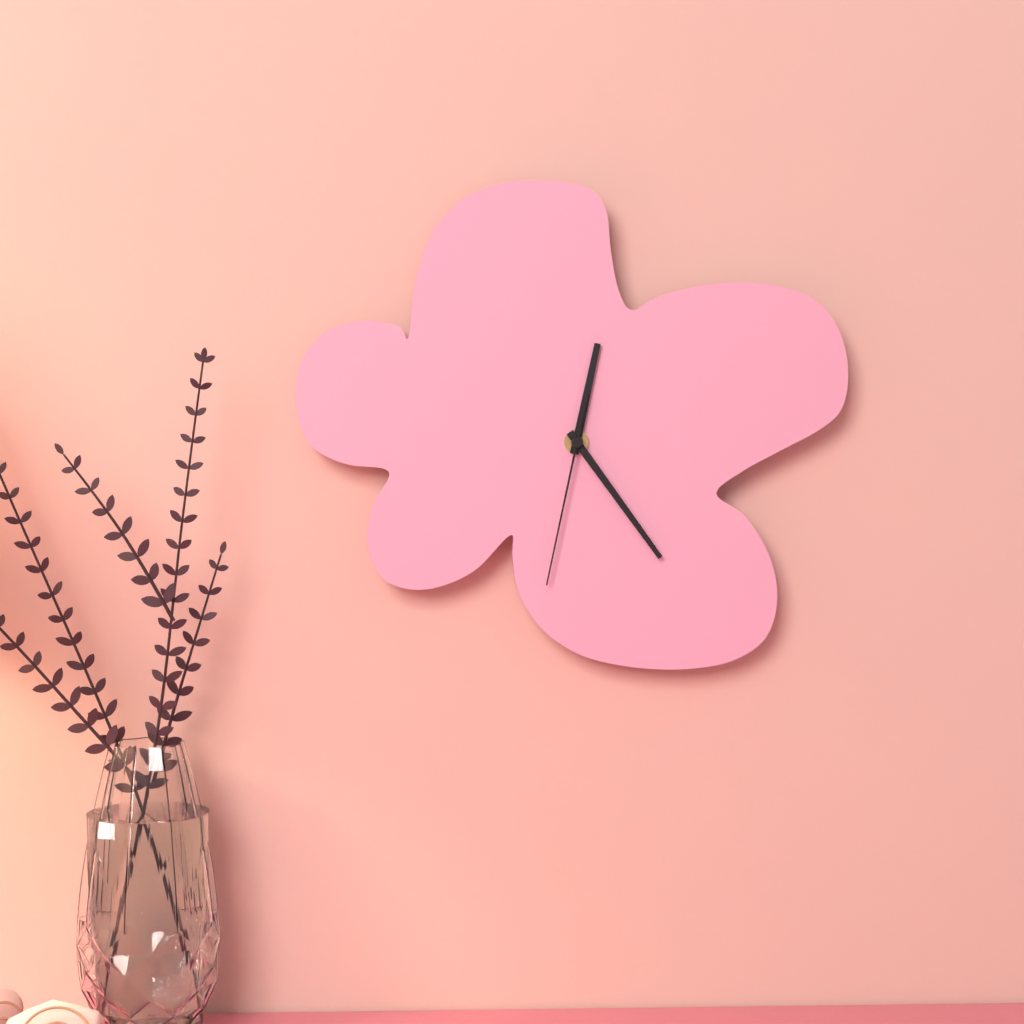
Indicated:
12,24,32
